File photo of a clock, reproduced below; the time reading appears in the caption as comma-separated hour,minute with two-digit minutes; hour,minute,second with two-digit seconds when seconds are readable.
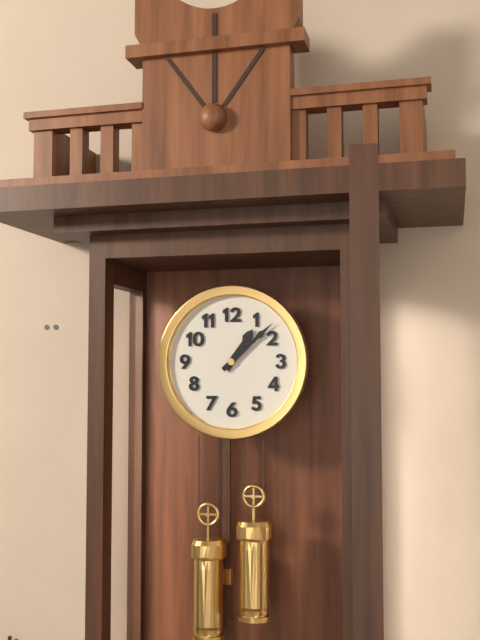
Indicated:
1,08
